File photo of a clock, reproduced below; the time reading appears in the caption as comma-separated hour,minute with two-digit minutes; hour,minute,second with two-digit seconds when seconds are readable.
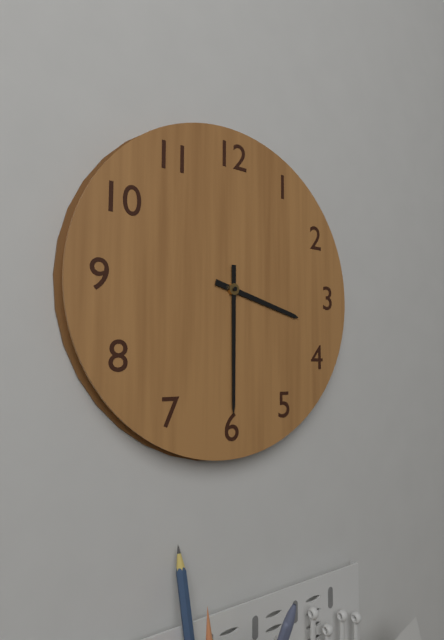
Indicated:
3,30
